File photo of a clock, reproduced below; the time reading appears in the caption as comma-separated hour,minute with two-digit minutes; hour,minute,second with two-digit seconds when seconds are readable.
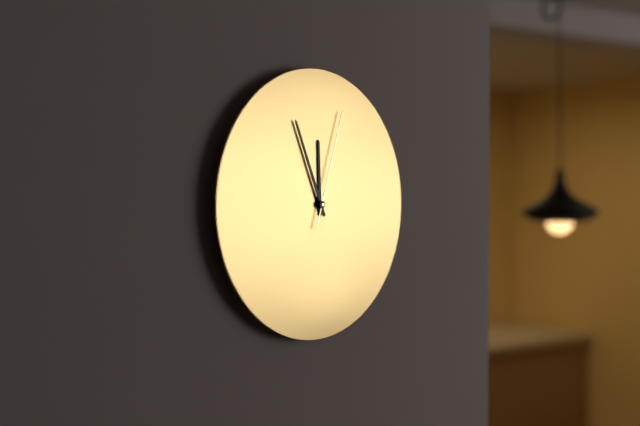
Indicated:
11,56,03
